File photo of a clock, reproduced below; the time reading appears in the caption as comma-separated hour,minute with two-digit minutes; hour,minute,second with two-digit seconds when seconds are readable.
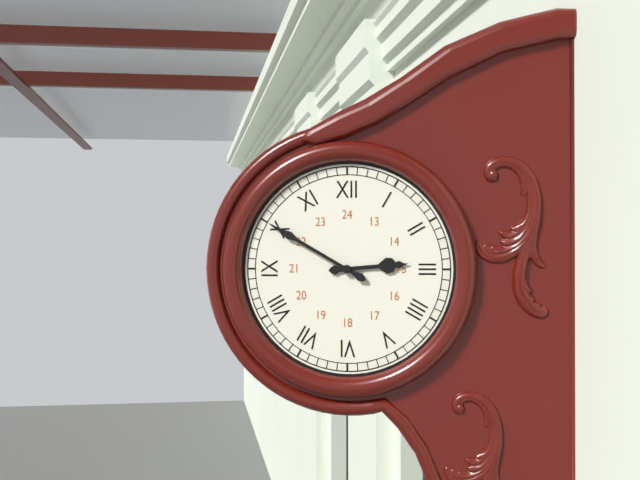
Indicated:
2,50
